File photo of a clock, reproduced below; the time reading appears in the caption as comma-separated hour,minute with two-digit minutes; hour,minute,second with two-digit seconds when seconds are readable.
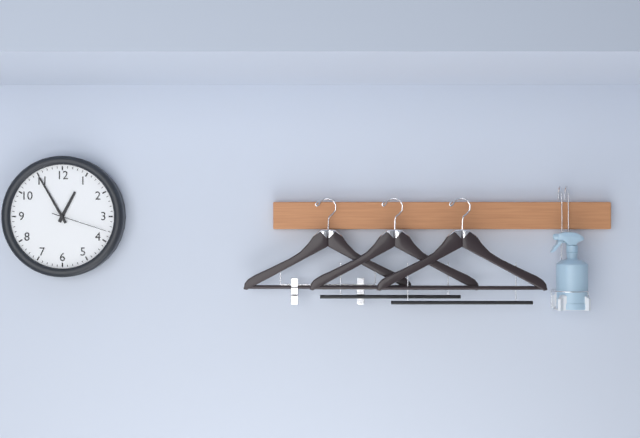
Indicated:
12,55,18
